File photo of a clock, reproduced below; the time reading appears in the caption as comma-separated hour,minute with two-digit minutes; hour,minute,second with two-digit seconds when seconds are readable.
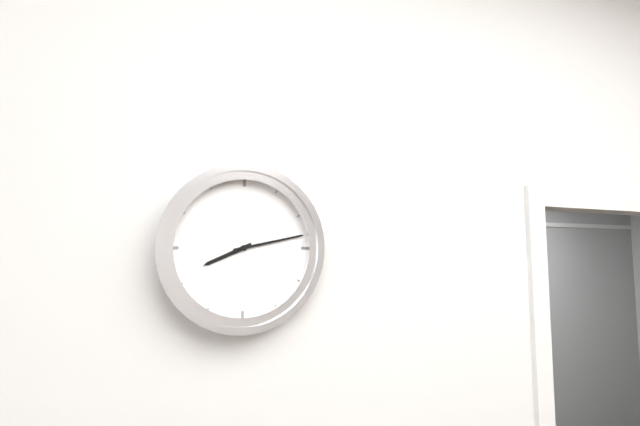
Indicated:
8,13
